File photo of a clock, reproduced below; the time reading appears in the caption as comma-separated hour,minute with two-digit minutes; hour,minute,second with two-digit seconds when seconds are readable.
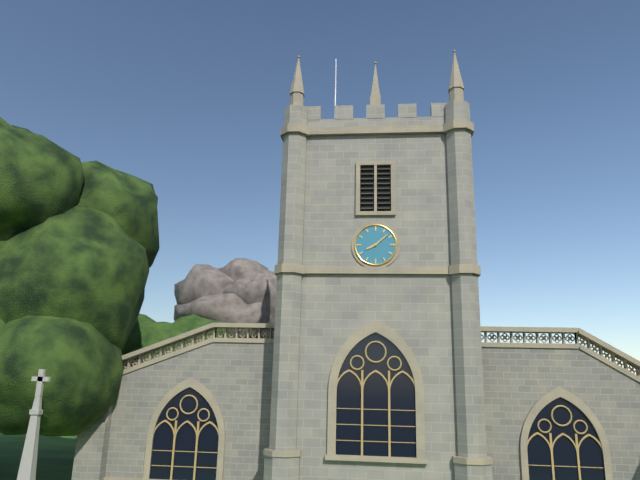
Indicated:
8,08
